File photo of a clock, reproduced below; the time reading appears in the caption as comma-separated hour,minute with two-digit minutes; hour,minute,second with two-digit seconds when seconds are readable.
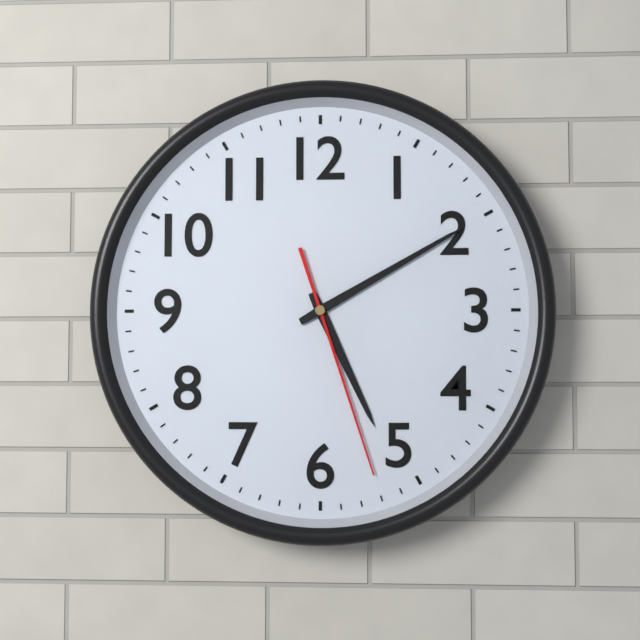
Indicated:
5,10,27
